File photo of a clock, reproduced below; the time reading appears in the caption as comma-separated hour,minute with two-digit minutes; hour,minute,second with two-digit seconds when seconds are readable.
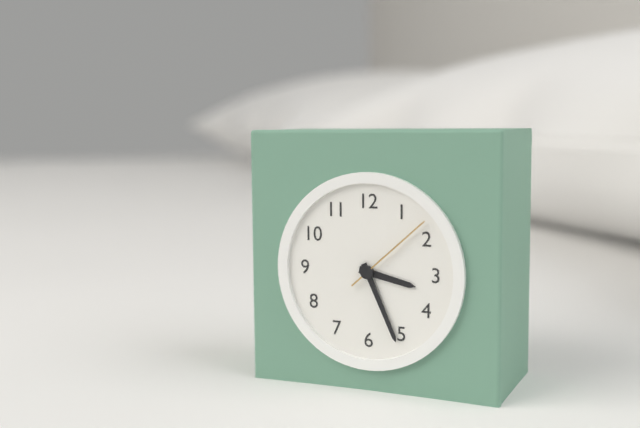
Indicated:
3,26,08
